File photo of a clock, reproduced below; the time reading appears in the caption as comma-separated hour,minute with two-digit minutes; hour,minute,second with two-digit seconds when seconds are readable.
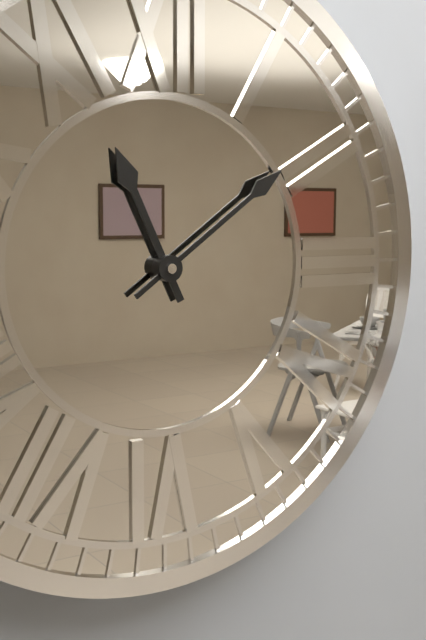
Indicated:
11,09
